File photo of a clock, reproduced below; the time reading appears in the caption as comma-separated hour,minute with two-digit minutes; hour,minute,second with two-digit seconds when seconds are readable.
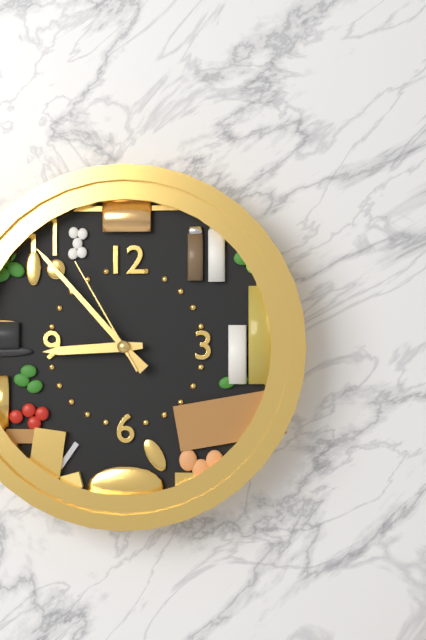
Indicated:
8,53,55
